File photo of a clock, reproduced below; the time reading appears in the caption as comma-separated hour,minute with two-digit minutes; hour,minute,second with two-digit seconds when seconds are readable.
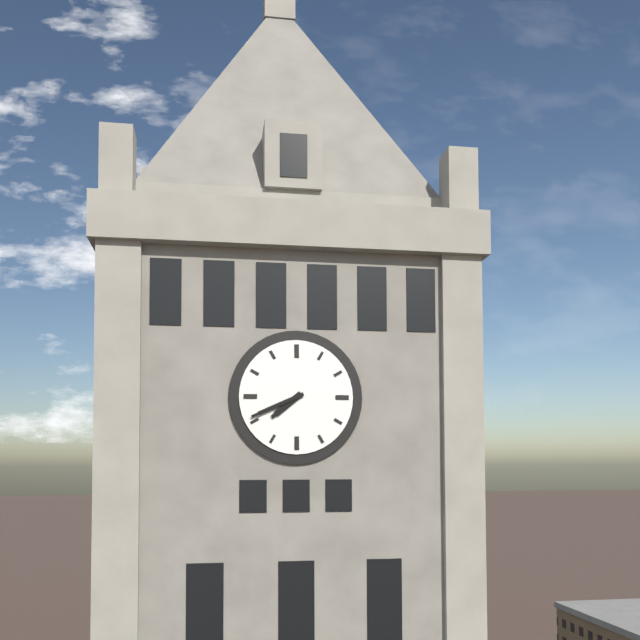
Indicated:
7,41
